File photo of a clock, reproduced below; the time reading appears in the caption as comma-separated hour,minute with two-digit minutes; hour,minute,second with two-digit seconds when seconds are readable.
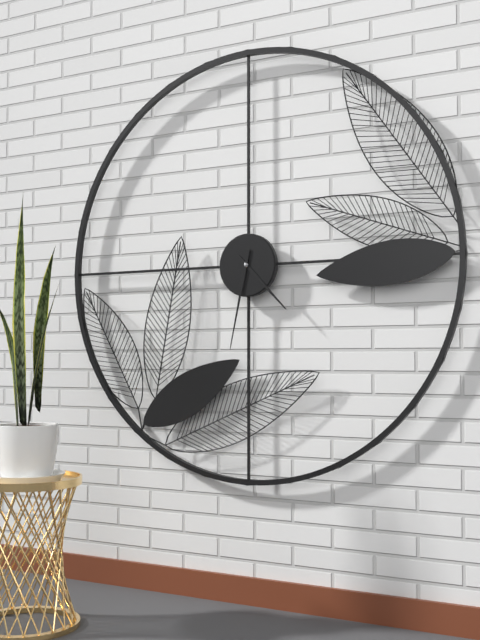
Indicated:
4,32
